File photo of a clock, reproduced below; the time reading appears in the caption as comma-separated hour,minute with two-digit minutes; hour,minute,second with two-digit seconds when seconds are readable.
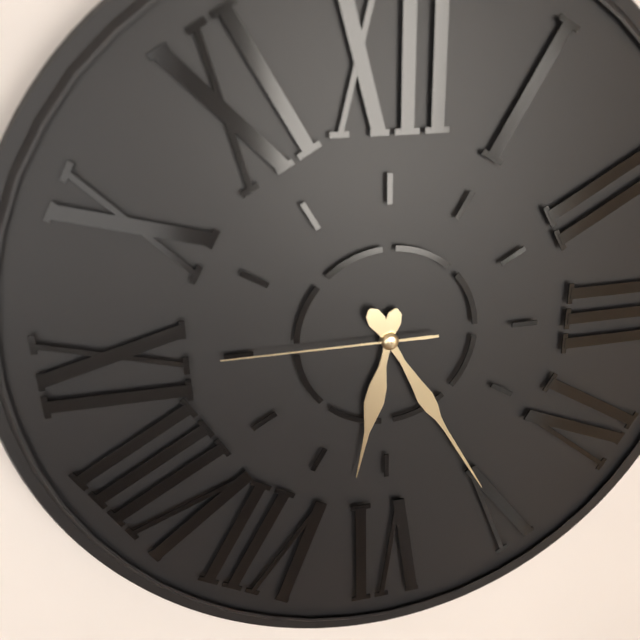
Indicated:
6,25,45
